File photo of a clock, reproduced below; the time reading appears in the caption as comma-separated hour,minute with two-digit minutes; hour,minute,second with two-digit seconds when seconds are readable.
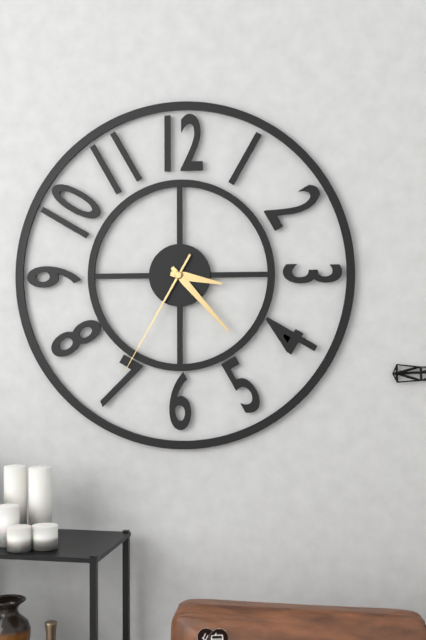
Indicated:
3,23,35
